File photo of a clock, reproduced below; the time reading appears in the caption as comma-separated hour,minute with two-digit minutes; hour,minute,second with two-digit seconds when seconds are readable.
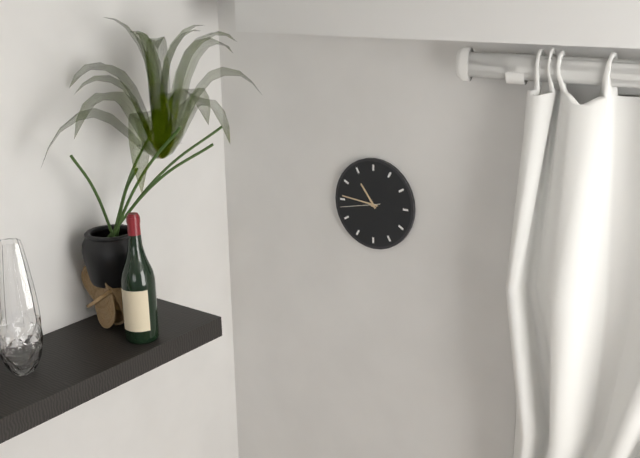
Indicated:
10,46
